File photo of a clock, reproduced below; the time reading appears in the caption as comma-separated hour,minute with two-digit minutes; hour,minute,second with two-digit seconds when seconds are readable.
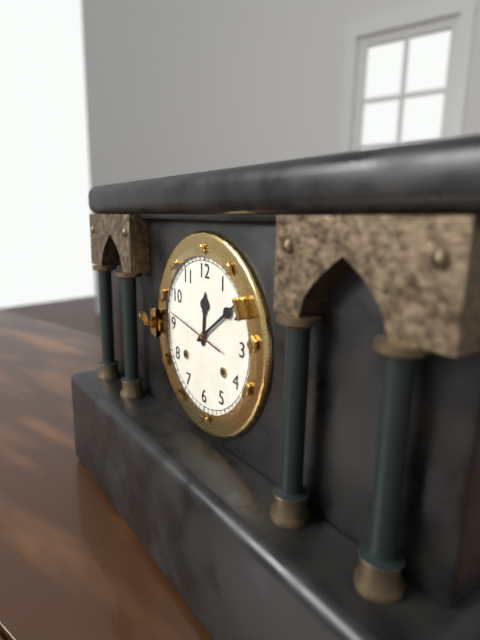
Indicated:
12,09,47
